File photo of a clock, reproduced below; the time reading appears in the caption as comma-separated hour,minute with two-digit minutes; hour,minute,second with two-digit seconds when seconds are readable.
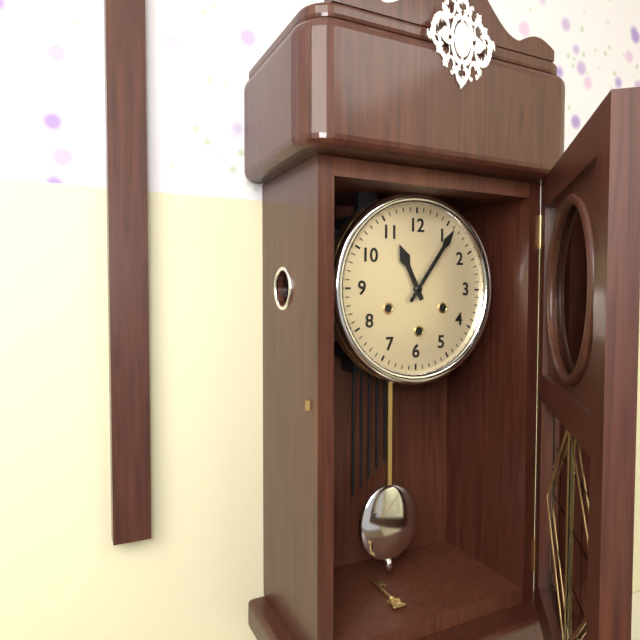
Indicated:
11,06
